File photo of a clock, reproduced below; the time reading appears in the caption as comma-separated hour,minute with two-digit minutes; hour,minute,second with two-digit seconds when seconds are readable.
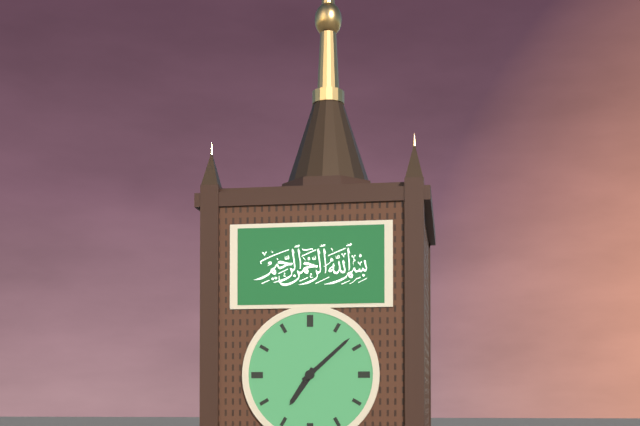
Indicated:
7,08
